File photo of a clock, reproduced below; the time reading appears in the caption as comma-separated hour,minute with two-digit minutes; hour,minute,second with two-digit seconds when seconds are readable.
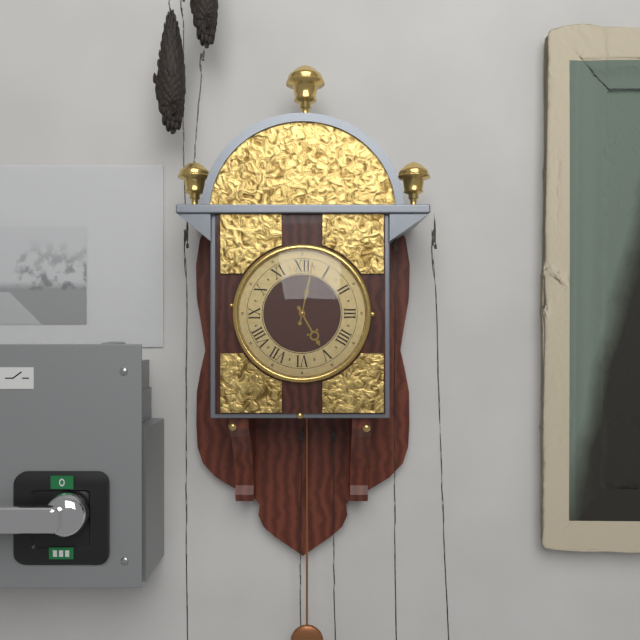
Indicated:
5,02
